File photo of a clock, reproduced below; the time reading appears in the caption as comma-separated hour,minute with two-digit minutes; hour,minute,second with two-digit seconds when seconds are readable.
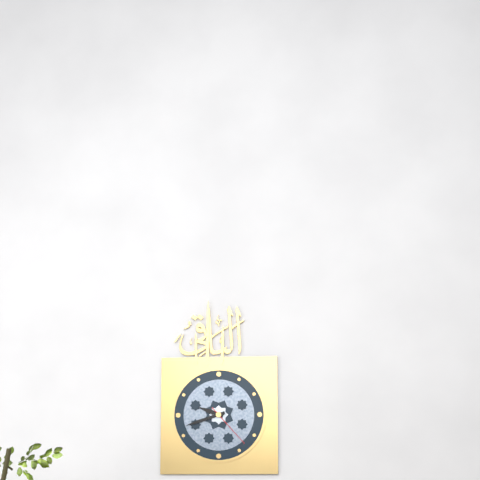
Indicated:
9,42
